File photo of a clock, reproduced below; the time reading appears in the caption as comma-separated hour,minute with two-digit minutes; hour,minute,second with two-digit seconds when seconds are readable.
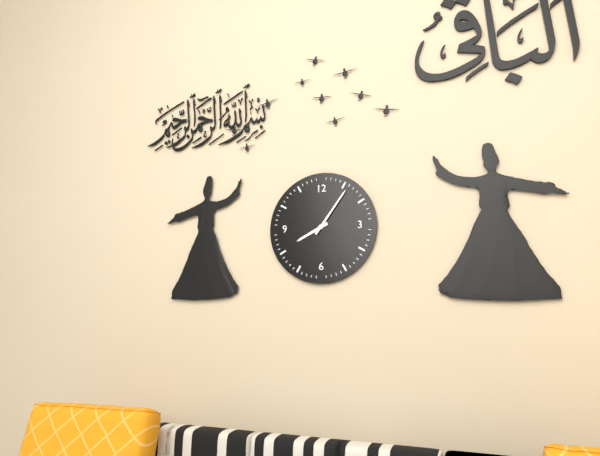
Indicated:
8,06
